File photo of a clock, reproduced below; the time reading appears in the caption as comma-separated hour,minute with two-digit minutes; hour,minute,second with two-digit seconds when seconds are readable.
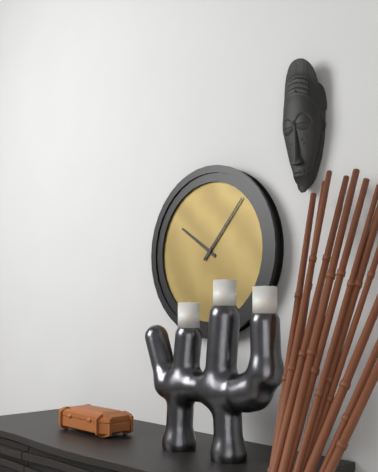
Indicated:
10,07
